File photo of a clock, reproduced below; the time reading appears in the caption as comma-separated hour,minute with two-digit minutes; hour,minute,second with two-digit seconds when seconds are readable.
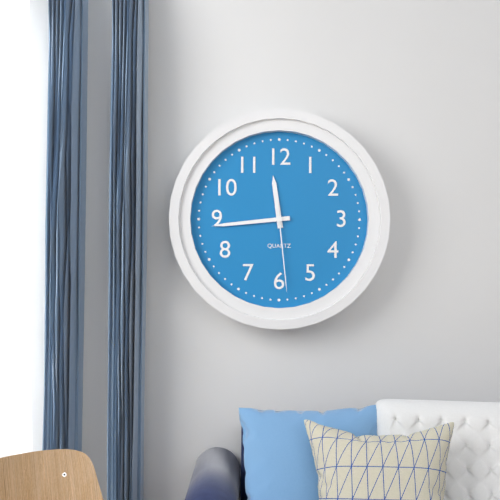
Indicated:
11,44,29
